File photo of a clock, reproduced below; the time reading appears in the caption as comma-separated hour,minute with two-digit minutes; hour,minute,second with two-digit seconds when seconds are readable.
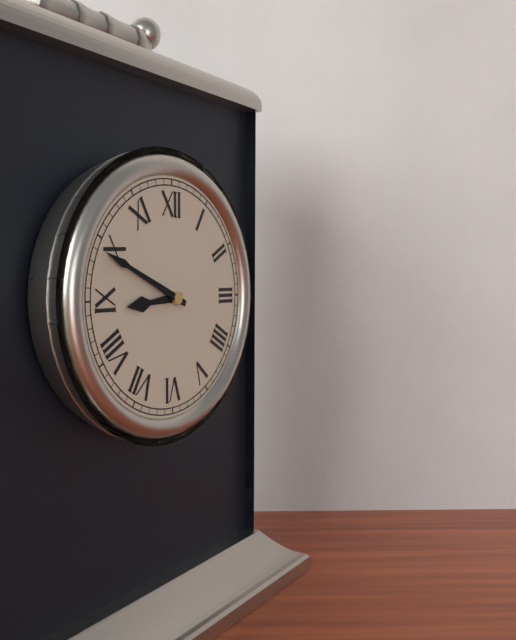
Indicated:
8,49
